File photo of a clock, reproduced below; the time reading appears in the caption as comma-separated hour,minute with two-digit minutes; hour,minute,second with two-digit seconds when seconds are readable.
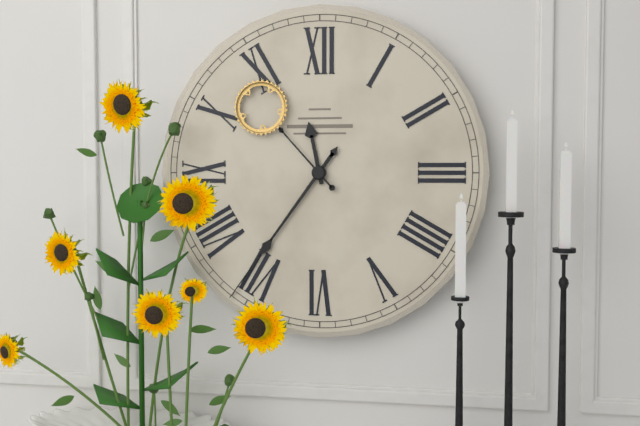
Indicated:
11,36,53
